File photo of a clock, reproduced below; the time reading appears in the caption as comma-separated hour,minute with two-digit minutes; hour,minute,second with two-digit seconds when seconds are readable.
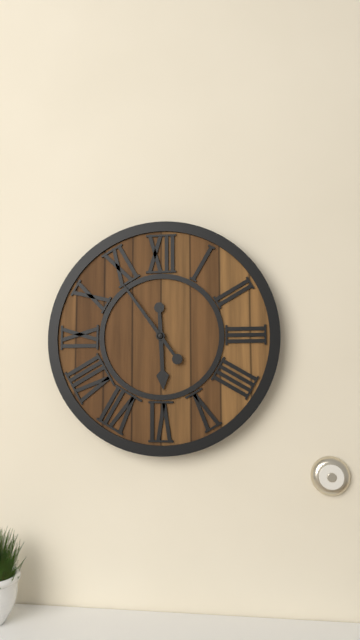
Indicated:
5,54
